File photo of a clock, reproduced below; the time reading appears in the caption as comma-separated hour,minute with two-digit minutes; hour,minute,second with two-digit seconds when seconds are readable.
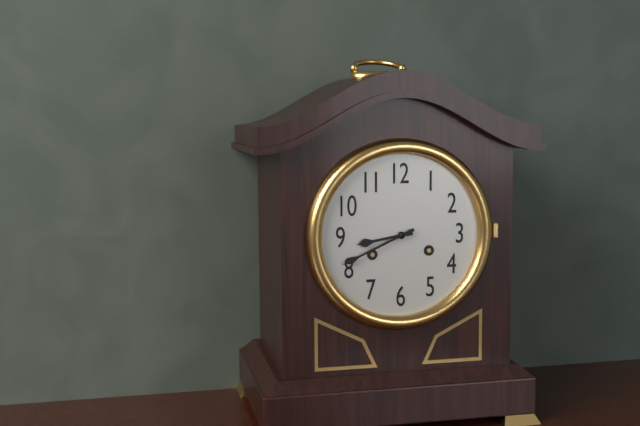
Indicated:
8,41
